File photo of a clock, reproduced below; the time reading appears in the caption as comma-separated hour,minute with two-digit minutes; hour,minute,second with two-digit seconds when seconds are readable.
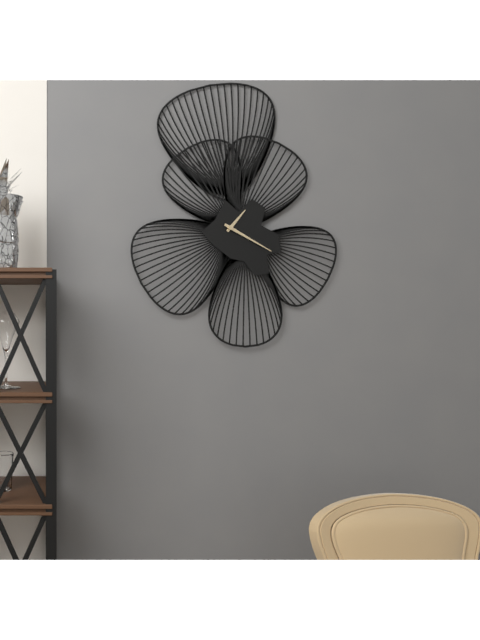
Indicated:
1,20
